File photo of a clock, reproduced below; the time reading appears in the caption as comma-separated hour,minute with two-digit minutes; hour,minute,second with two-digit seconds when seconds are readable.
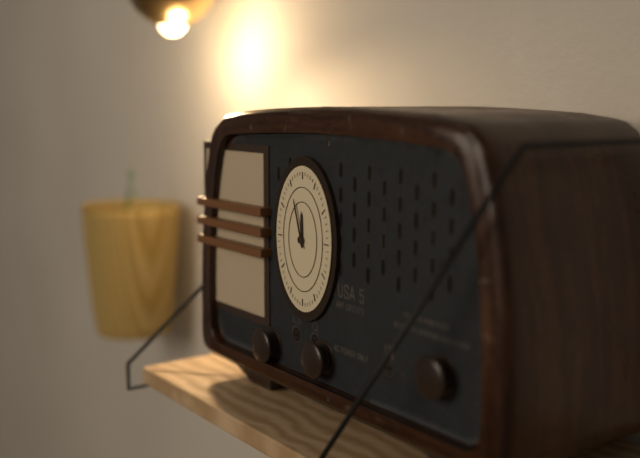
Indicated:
11,57
